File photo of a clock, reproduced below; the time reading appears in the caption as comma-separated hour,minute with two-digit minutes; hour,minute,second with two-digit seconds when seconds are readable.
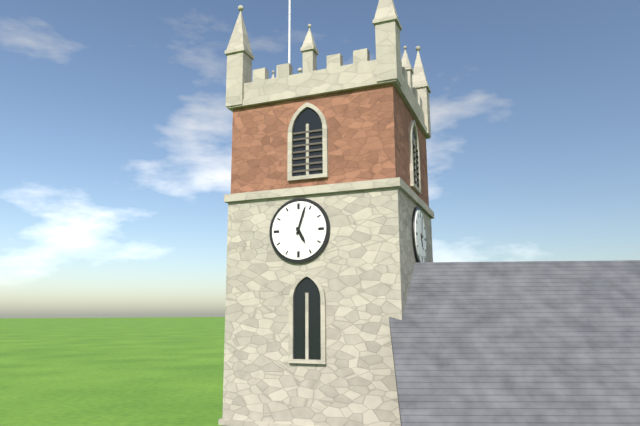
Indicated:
5,03
